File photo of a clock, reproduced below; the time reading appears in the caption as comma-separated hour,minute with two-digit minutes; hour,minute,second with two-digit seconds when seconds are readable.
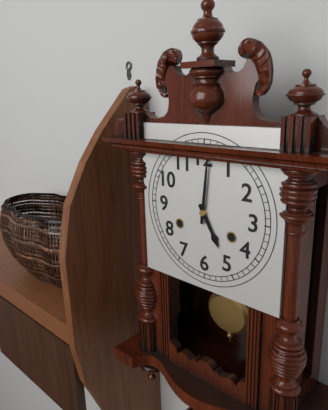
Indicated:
5,01
